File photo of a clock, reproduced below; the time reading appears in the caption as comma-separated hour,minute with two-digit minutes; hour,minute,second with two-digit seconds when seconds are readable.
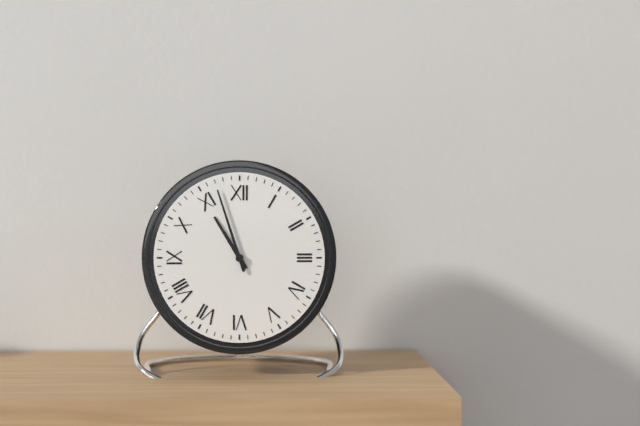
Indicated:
10,57
